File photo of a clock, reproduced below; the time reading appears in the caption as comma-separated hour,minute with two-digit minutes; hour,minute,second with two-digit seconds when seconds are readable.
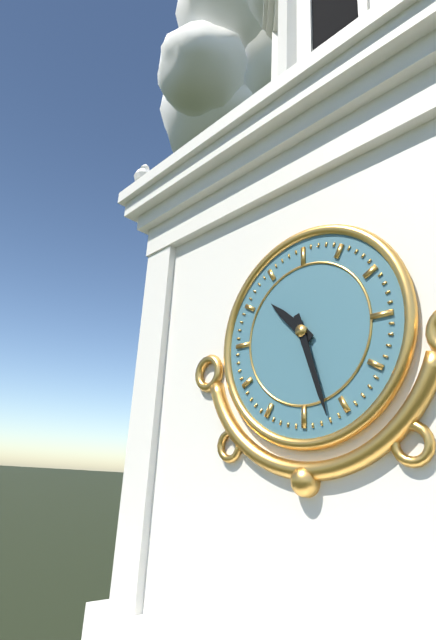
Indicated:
10,27
